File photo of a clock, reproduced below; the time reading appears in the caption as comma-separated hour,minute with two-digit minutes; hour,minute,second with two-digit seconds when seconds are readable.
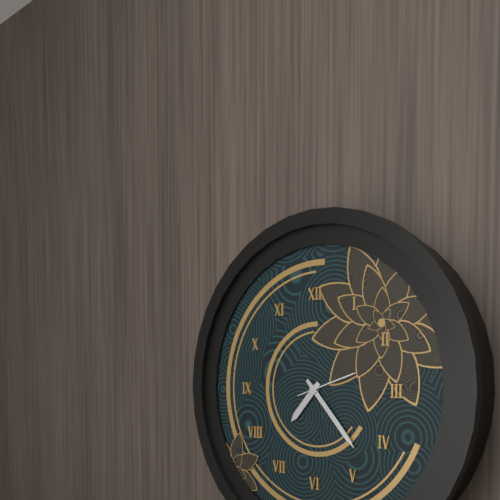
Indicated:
7,23,12
